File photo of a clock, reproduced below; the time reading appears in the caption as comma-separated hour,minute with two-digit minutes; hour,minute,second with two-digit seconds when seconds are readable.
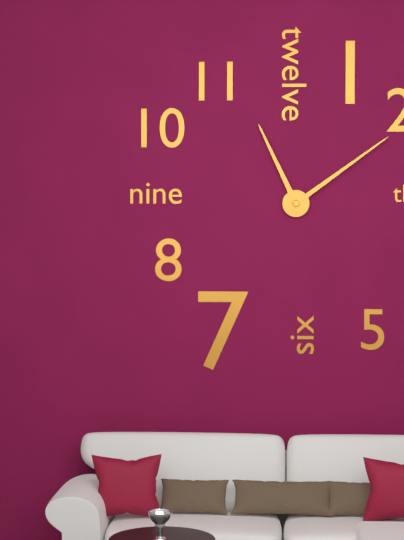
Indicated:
11,09
